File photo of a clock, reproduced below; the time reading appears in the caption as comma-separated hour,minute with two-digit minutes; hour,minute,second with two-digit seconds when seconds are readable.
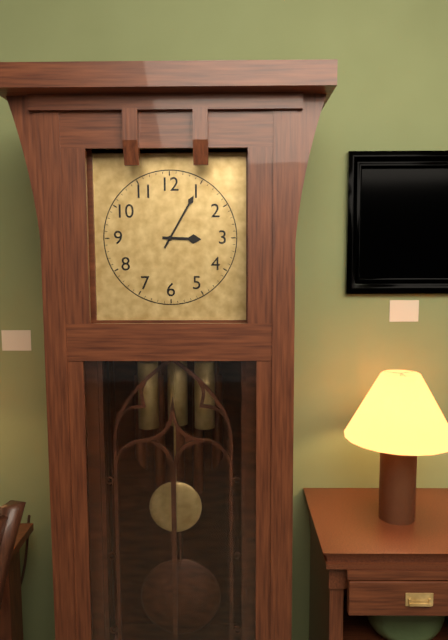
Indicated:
3,05
